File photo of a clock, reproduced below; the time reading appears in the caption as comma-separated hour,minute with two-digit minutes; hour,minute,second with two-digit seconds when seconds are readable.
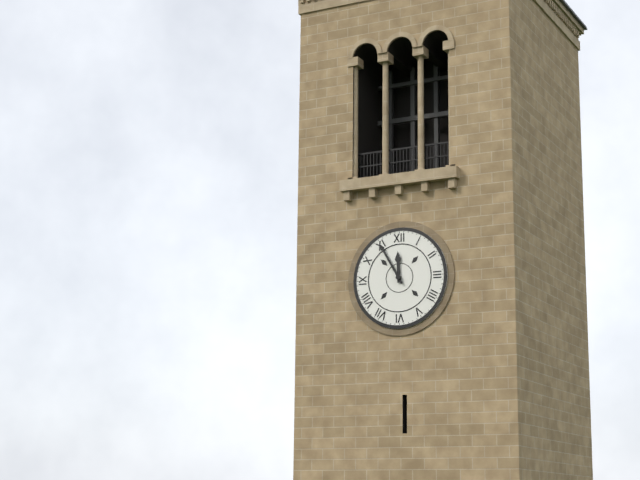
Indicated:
11,55
